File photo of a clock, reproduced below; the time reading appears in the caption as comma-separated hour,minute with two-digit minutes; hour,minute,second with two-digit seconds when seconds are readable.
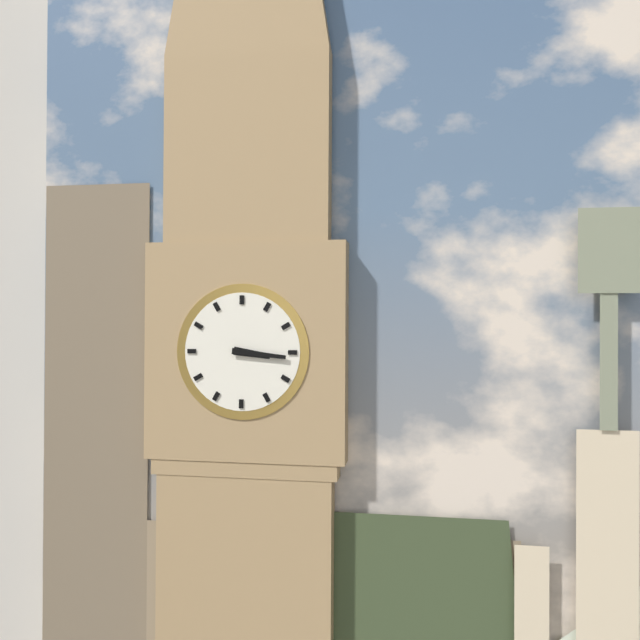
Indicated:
3,16
